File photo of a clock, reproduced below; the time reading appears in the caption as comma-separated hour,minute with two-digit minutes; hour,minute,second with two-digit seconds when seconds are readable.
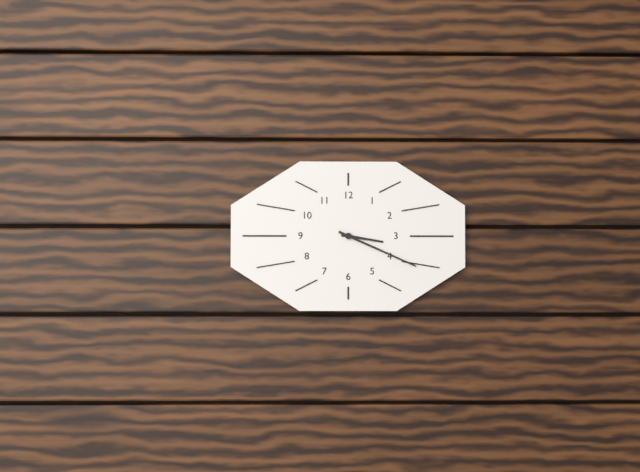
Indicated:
3,19
